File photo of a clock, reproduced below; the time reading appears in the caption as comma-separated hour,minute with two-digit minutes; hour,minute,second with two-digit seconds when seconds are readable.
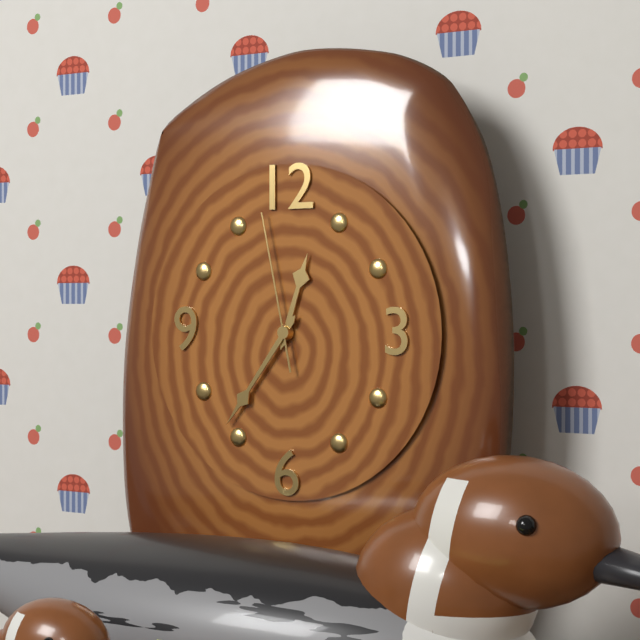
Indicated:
12,36,58
